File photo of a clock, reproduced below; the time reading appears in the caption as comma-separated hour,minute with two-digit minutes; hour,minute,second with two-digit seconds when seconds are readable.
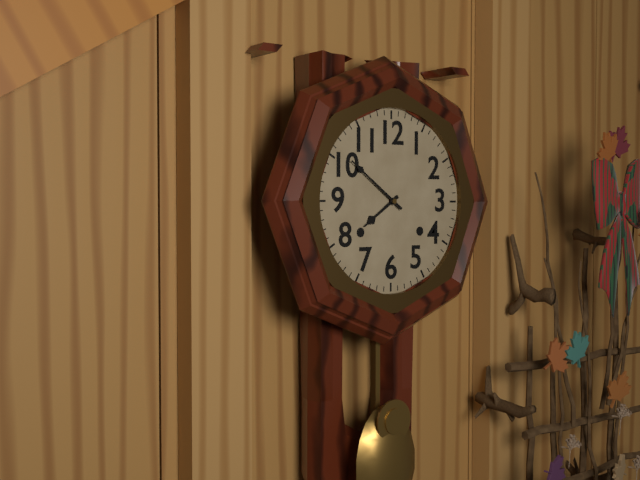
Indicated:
7,51
